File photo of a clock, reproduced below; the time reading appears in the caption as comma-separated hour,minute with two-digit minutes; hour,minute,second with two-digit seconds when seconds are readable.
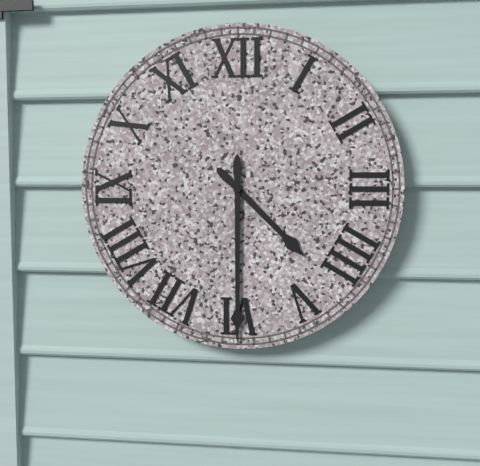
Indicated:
4,30
